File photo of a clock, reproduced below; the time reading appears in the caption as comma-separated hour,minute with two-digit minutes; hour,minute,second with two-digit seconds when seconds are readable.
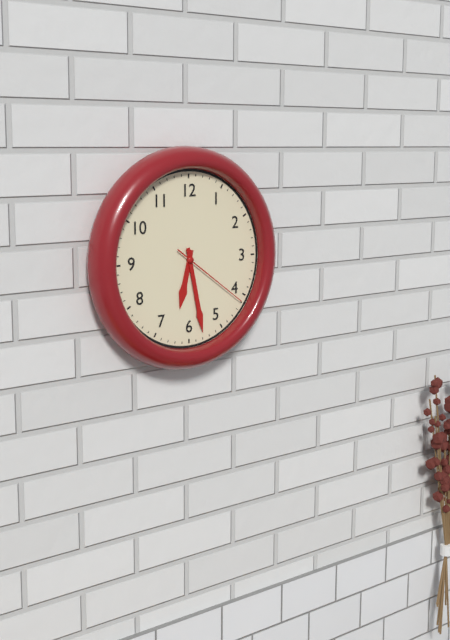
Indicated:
6,28,21
